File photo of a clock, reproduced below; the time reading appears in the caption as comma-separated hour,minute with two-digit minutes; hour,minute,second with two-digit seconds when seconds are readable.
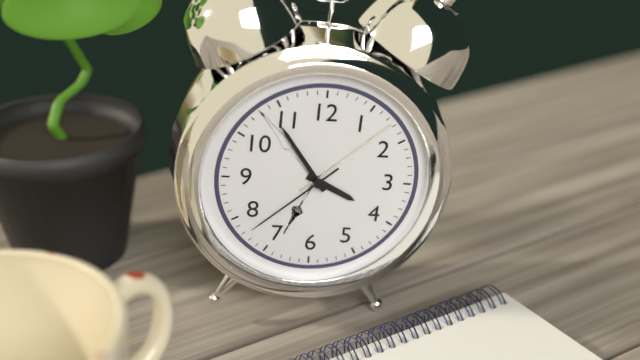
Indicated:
3,54,38
